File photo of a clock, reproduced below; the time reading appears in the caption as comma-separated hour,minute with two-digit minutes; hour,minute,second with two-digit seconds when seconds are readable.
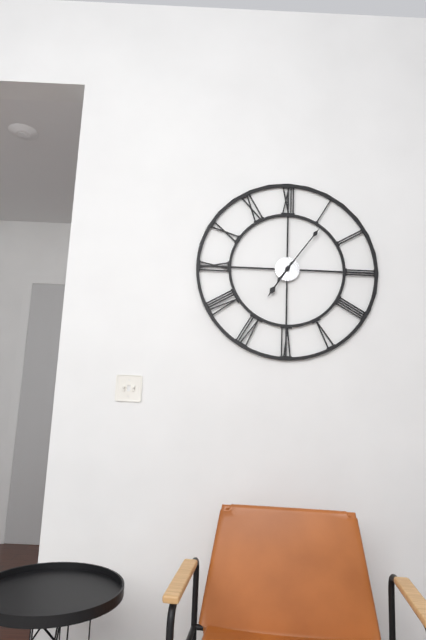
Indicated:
7,06
